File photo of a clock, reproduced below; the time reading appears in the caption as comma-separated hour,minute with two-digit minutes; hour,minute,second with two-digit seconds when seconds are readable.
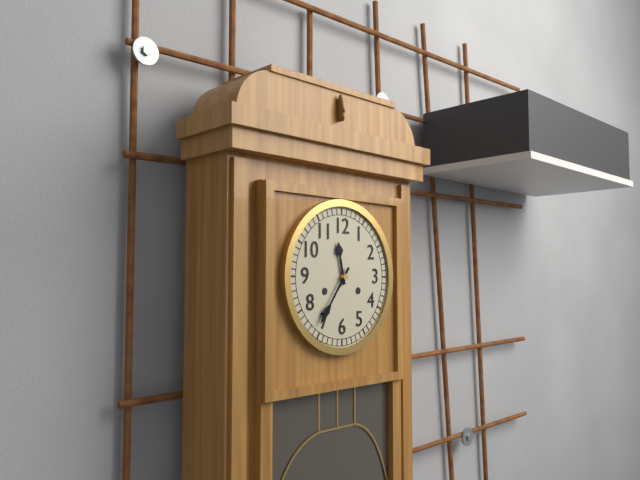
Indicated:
11,36
